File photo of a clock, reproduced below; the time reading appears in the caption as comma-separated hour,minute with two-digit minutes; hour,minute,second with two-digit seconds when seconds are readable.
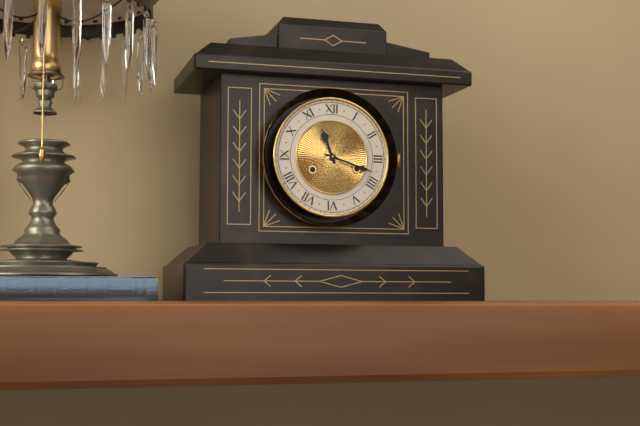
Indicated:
11,18
